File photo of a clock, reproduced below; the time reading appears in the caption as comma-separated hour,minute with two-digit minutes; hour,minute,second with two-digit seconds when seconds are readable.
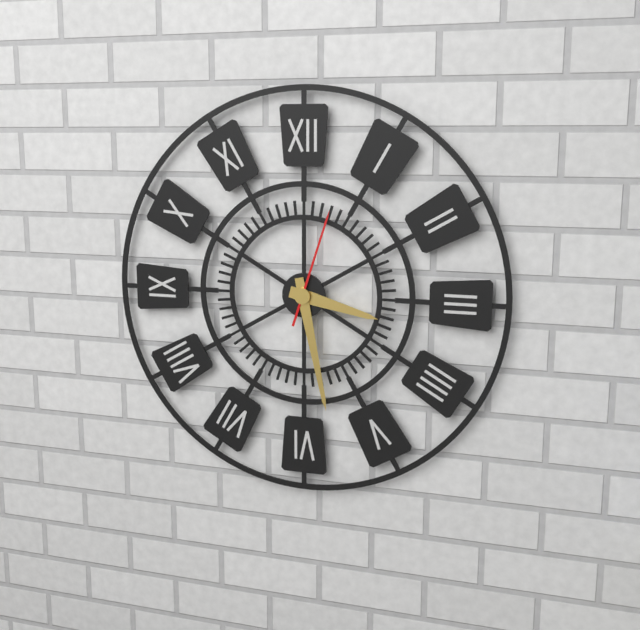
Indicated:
3,28,03
